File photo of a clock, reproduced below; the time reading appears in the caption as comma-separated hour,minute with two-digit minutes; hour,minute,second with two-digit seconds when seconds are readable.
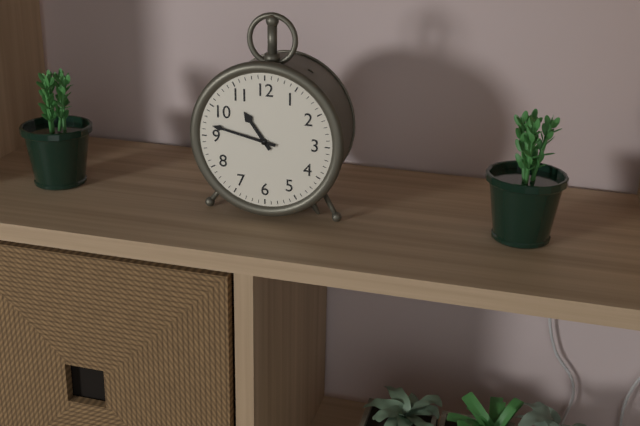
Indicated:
10,47
